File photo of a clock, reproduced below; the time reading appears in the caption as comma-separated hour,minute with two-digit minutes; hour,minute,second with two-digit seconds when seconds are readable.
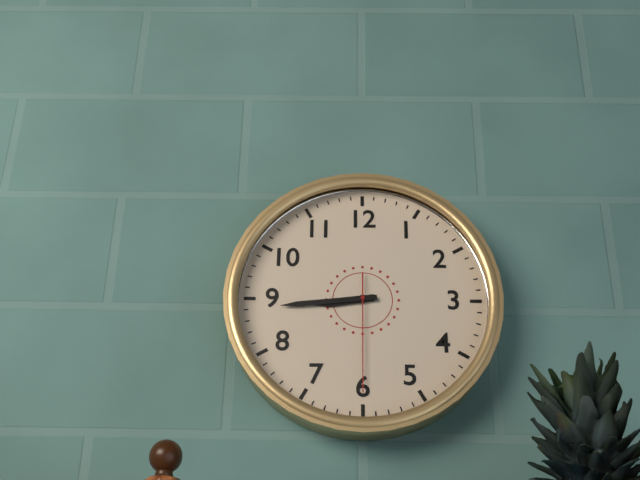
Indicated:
8,44,30
